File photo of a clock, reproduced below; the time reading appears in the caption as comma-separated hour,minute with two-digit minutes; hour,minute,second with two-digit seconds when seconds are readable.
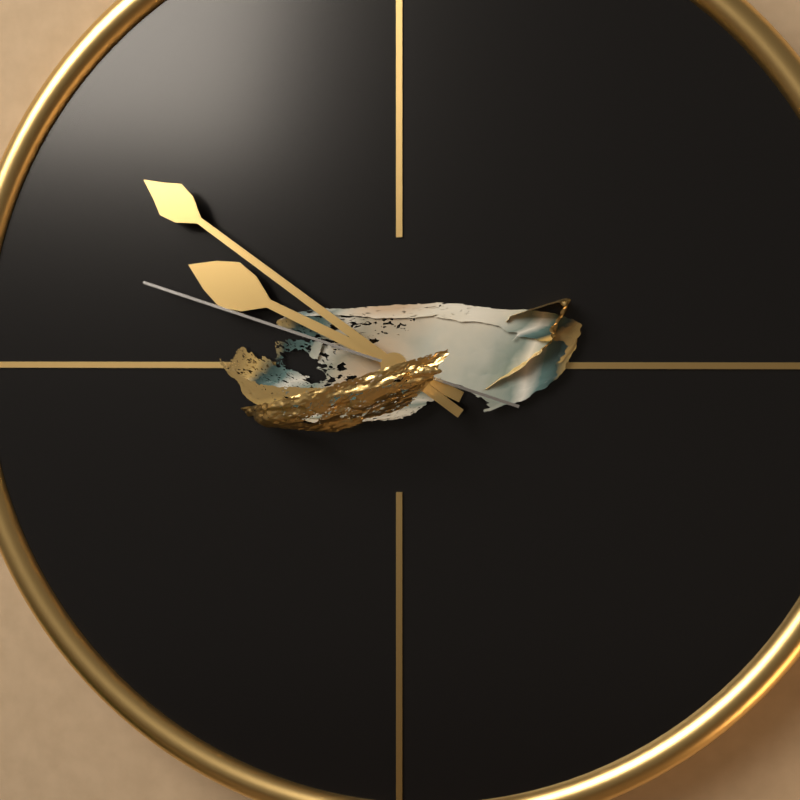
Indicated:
9,51,48
